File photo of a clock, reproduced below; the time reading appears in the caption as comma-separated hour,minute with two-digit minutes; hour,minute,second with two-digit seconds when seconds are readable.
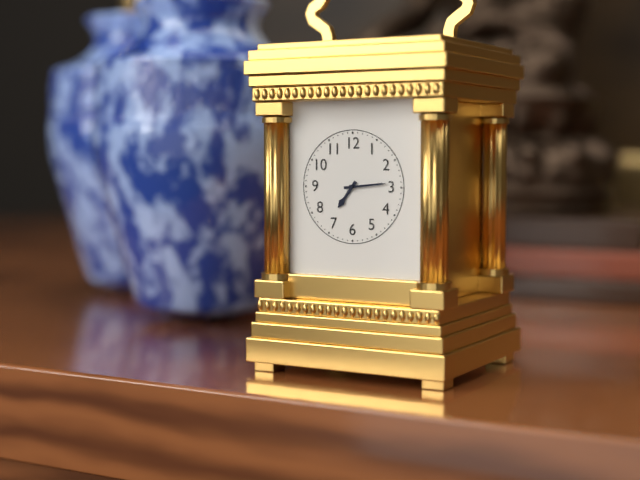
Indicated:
7,14
